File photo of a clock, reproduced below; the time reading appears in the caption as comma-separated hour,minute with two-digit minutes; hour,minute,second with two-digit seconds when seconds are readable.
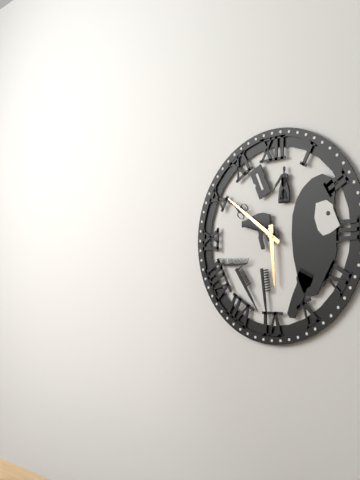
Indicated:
5,51
